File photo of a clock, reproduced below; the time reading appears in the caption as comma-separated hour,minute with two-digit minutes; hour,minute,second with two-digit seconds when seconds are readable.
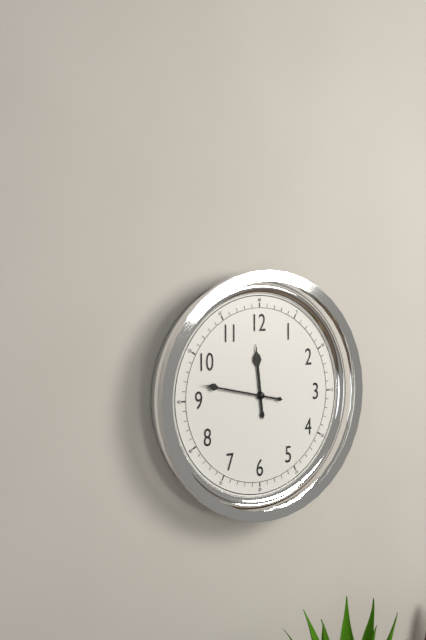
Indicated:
11,47
